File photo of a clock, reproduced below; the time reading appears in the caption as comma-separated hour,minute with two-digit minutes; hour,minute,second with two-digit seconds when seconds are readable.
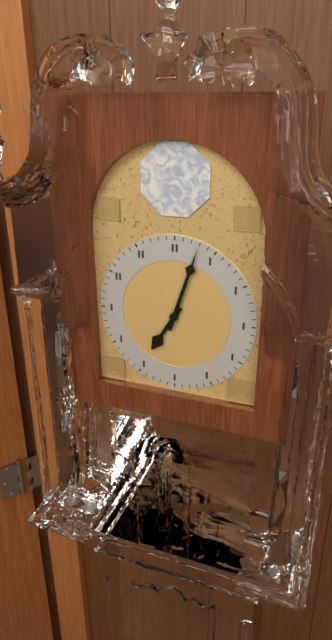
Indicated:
7,03
